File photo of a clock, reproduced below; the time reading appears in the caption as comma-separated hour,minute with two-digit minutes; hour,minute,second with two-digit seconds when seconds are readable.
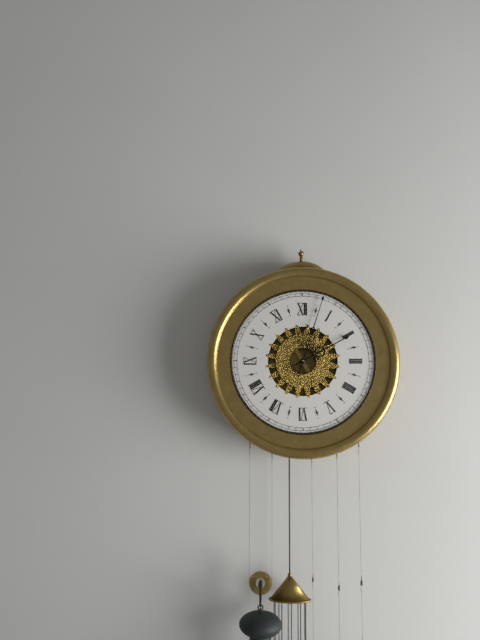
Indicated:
2,03
